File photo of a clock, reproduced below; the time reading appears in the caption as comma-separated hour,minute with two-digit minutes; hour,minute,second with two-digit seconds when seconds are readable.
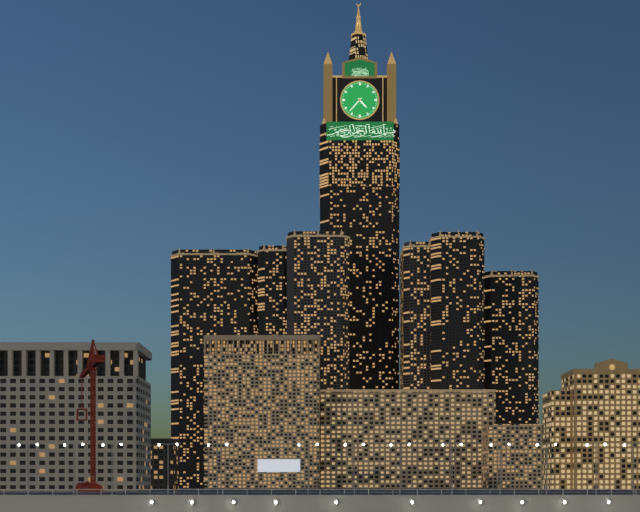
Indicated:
4,37
